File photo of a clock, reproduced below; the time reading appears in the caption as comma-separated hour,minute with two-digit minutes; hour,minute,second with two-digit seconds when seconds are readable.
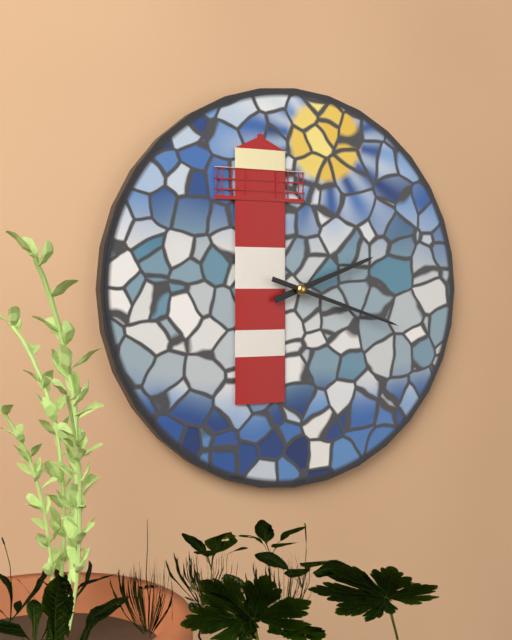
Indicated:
2,18
